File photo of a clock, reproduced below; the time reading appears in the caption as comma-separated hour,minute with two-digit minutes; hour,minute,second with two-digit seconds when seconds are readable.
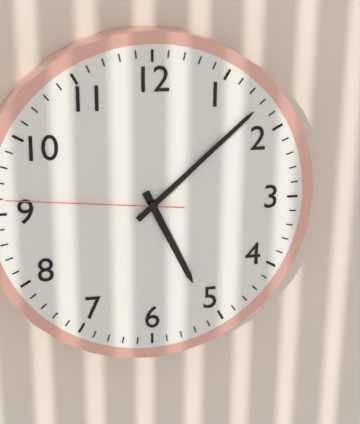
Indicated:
5,08,46
